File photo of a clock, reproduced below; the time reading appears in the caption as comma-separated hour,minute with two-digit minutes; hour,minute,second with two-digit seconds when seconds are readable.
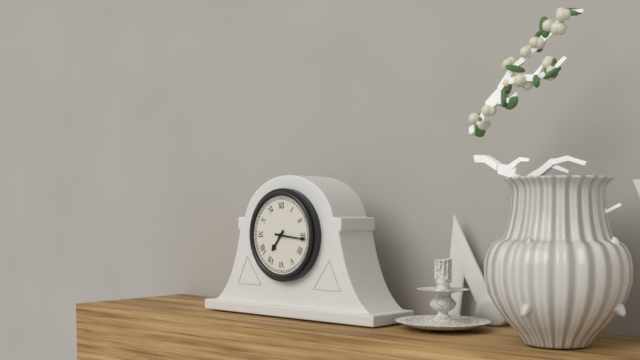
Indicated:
7,16
